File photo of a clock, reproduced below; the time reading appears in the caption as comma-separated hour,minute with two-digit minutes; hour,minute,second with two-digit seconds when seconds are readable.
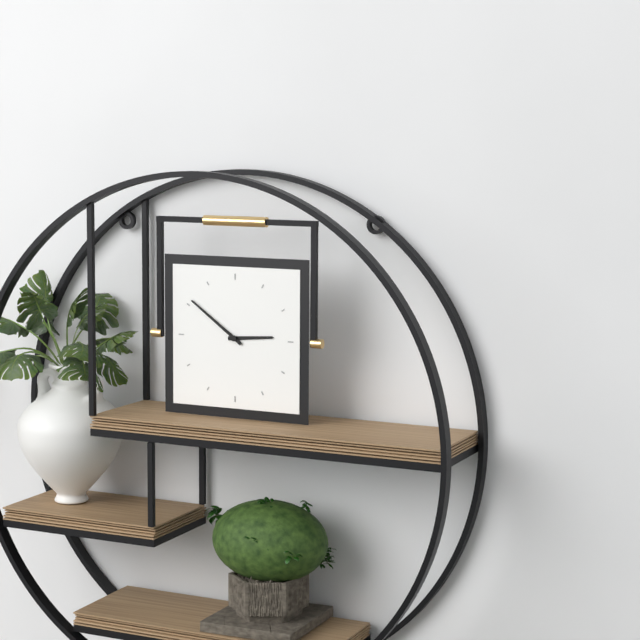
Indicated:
2,51
